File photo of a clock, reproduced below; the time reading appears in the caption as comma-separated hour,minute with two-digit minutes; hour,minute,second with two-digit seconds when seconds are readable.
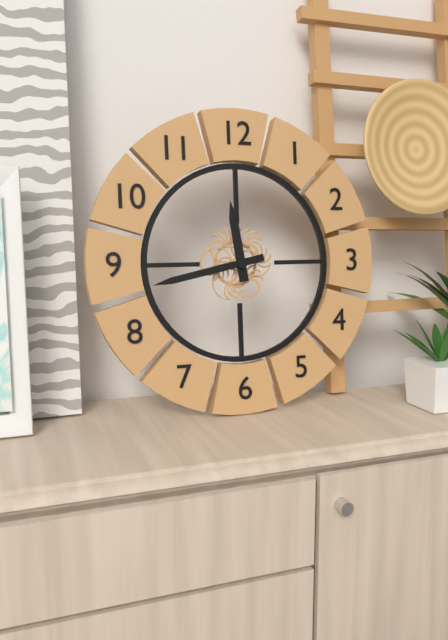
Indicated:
11,43
